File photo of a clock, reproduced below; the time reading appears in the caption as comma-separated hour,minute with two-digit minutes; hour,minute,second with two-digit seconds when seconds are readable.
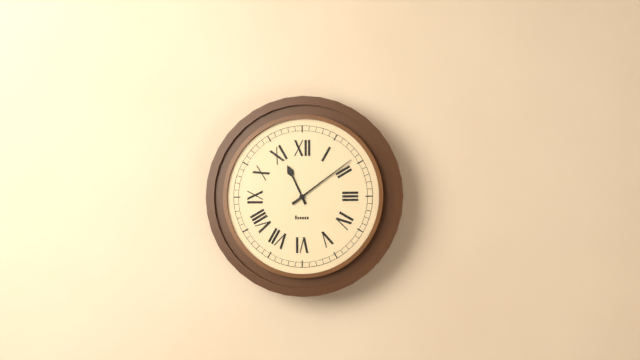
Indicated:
11,09
